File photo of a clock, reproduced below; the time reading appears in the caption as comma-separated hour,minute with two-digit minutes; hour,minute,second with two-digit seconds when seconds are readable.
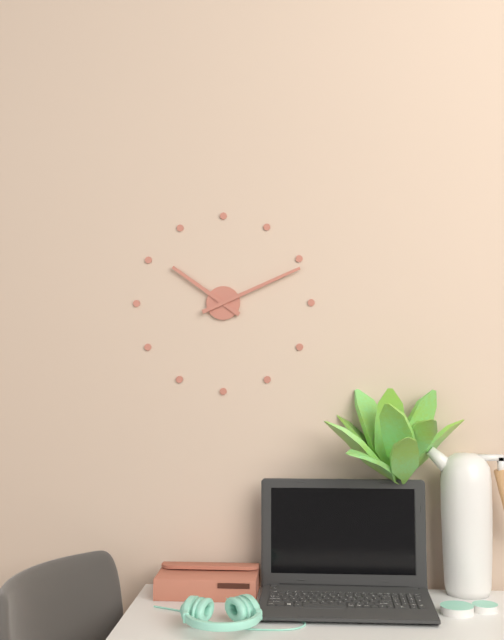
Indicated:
10,11
